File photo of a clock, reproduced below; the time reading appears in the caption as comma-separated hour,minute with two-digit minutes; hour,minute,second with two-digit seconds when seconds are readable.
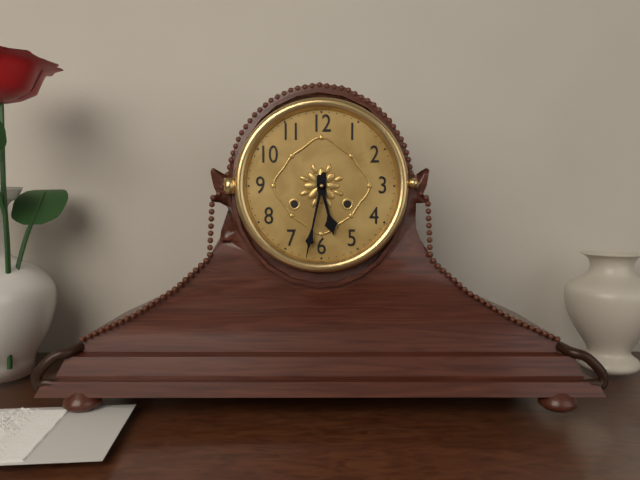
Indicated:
5,32
